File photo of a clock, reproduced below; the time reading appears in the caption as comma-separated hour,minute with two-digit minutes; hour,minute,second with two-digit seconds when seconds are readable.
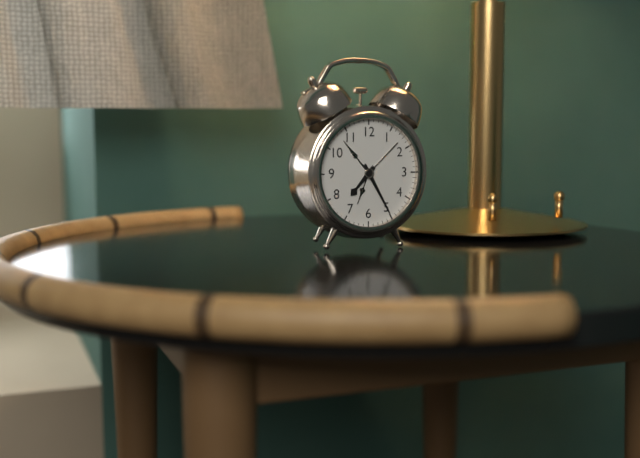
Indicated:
7,25
